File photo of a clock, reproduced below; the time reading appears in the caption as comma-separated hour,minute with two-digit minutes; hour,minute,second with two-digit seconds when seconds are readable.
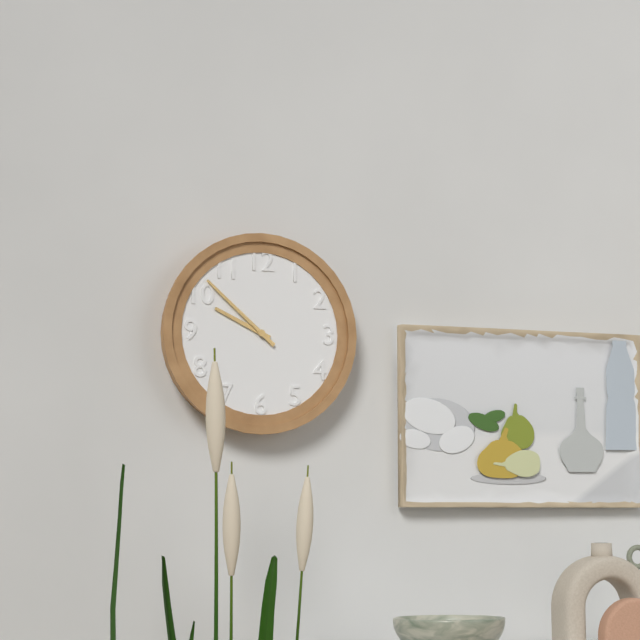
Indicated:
9,52
